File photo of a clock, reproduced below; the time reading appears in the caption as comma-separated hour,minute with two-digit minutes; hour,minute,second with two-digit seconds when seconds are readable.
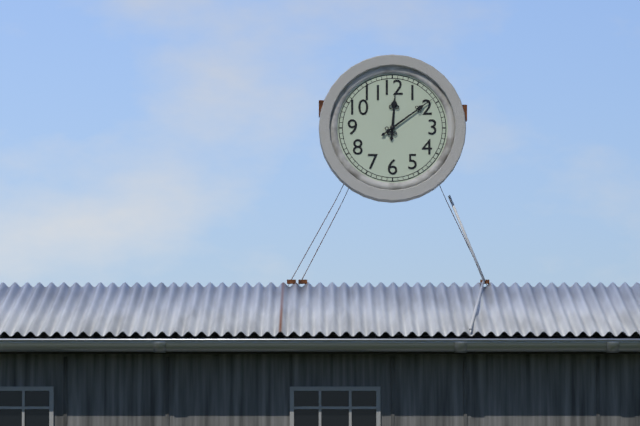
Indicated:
12,09
